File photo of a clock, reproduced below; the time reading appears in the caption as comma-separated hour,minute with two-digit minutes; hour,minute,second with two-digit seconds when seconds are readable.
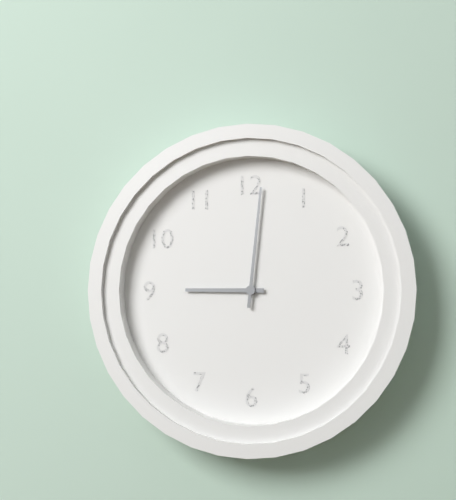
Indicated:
9,01
